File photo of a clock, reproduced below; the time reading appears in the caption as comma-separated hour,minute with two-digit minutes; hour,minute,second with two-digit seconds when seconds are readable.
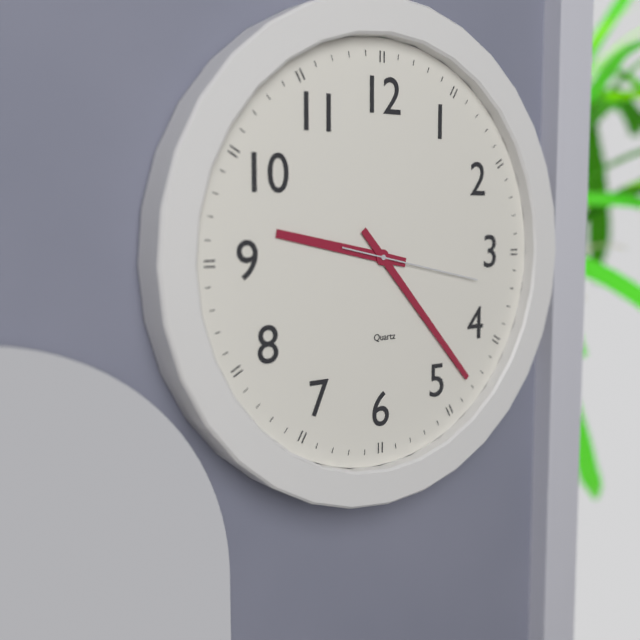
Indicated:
9,23,17
